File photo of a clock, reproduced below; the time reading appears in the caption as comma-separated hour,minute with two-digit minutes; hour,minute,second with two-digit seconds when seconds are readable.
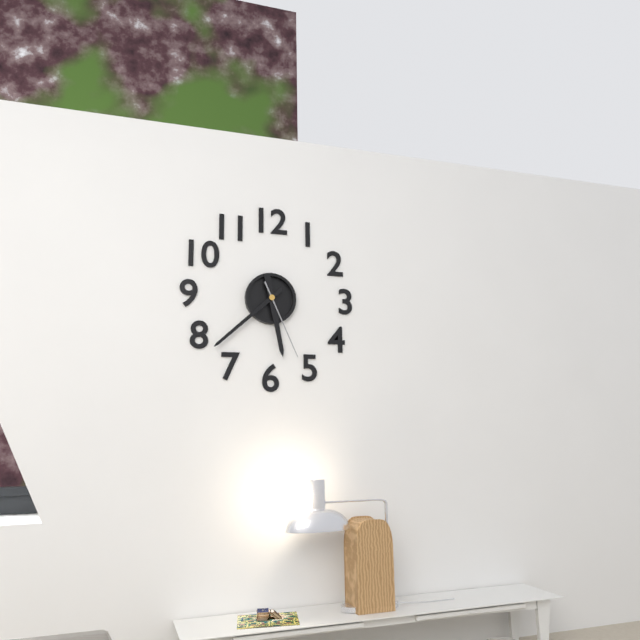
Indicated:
5,38,26
